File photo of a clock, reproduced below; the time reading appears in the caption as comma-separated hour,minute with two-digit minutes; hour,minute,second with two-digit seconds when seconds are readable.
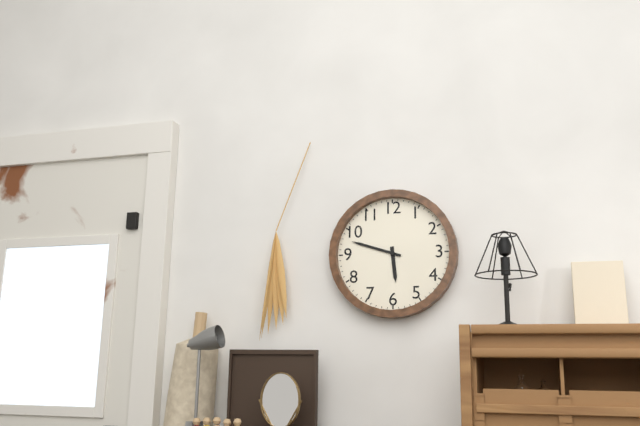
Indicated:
5,48
